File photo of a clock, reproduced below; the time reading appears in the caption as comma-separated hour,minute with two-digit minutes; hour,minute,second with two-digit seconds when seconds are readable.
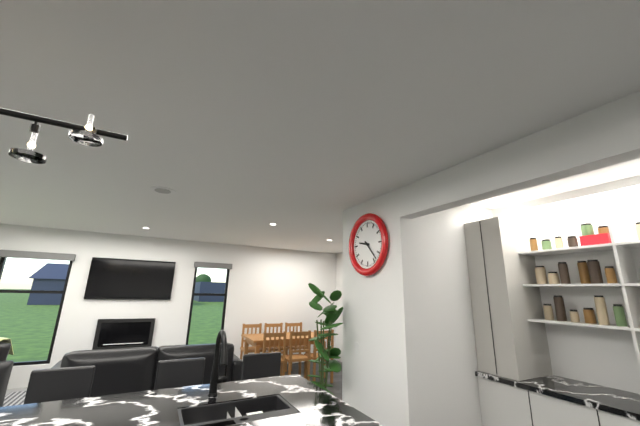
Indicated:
9,23
